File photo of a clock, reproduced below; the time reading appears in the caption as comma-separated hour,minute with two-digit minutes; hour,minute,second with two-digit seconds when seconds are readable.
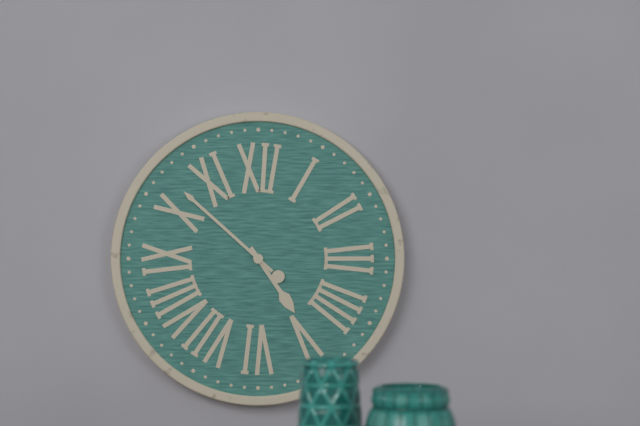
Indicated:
4,52
